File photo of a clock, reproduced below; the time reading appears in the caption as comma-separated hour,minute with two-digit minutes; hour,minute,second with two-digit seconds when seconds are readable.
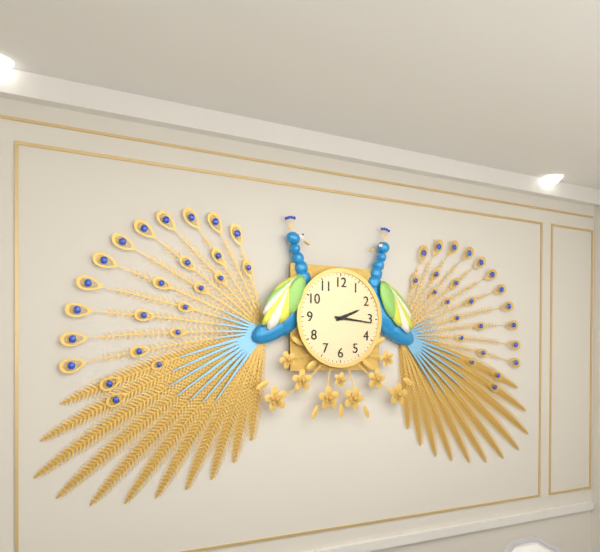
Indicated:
2,16
